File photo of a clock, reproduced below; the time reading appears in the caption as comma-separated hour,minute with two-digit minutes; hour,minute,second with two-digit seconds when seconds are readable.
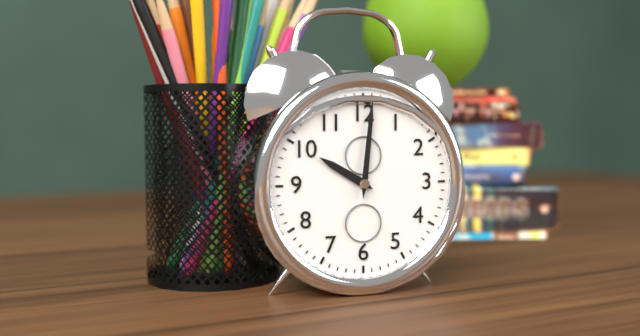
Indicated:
10,01
